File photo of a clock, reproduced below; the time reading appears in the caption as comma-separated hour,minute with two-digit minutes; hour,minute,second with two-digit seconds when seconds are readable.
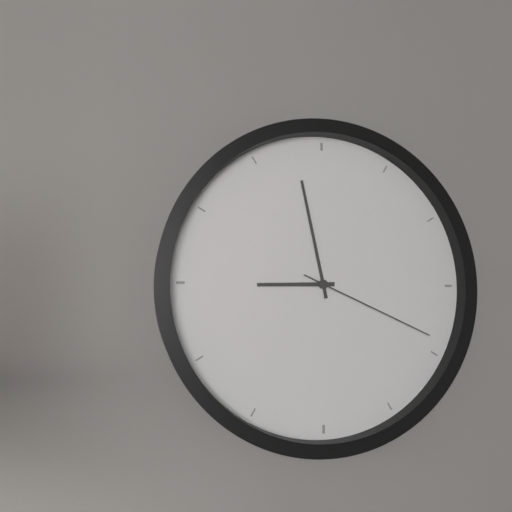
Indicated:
8,58,19
